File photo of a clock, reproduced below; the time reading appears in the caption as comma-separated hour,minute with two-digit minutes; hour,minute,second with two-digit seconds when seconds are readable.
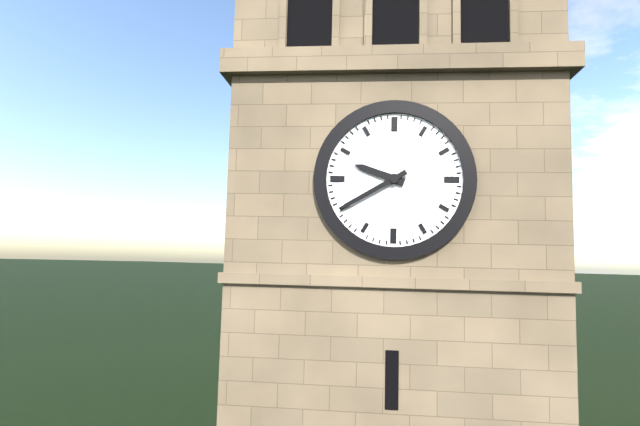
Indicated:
9,40
